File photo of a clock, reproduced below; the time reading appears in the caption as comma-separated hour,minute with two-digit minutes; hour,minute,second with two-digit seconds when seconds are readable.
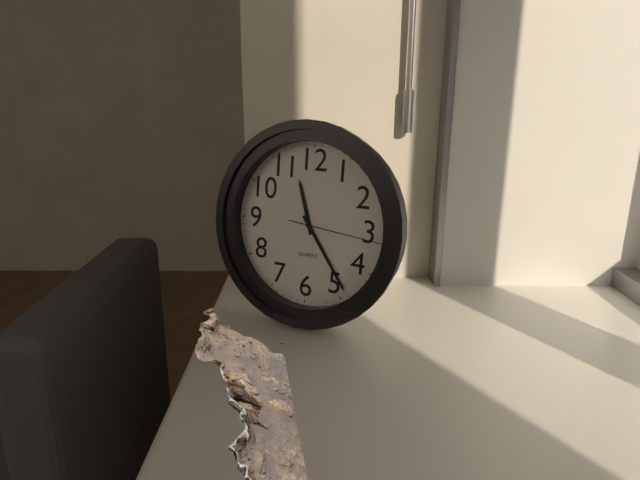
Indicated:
11,24,16
